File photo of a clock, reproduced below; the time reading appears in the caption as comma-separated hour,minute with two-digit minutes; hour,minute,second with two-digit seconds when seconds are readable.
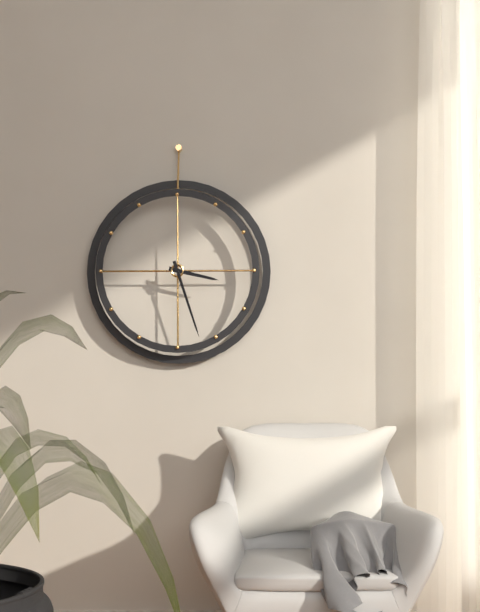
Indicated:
3,27
